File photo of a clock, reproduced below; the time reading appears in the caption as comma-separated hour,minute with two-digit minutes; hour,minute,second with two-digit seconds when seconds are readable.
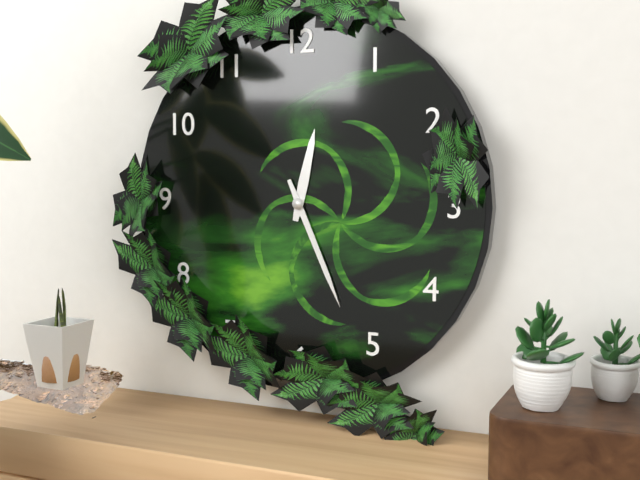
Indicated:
12,26
